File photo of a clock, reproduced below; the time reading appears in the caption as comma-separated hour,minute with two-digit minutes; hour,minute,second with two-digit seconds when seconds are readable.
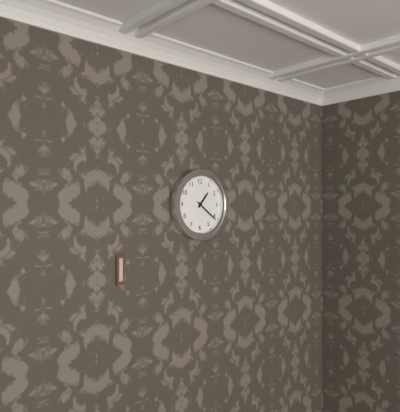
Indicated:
1,21
